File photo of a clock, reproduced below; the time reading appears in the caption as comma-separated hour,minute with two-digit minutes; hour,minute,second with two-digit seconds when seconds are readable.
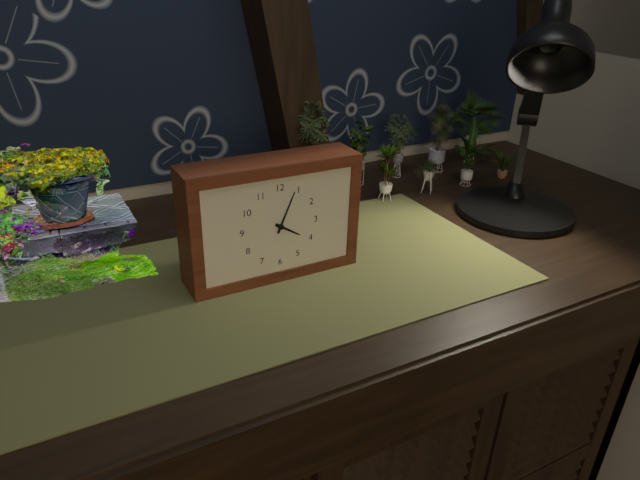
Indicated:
4,04
